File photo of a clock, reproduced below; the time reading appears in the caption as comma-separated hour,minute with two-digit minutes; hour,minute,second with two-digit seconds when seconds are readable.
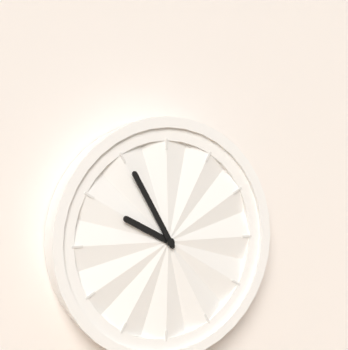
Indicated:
9,55
